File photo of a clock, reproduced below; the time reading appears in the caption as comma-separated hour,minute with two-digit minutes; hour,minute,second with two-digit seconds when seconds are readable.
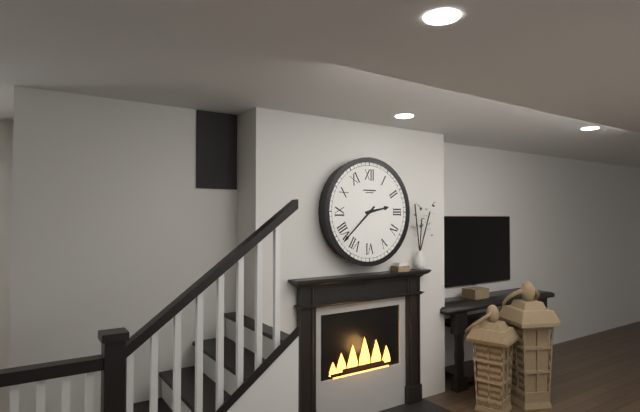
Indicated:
2,38
